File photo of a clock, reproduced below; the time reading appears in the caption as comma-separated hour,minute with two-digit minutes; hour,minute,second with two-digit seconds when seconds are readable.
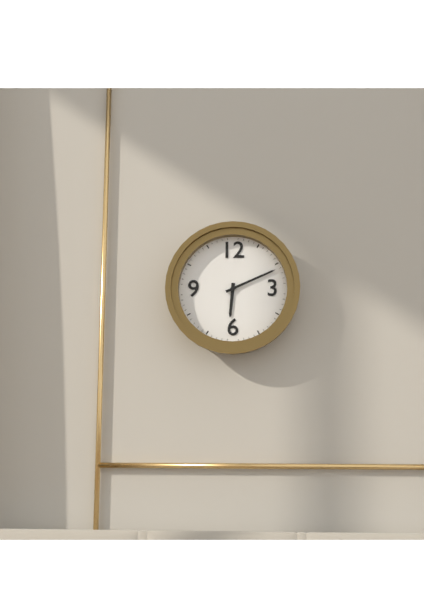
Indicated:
6,11
